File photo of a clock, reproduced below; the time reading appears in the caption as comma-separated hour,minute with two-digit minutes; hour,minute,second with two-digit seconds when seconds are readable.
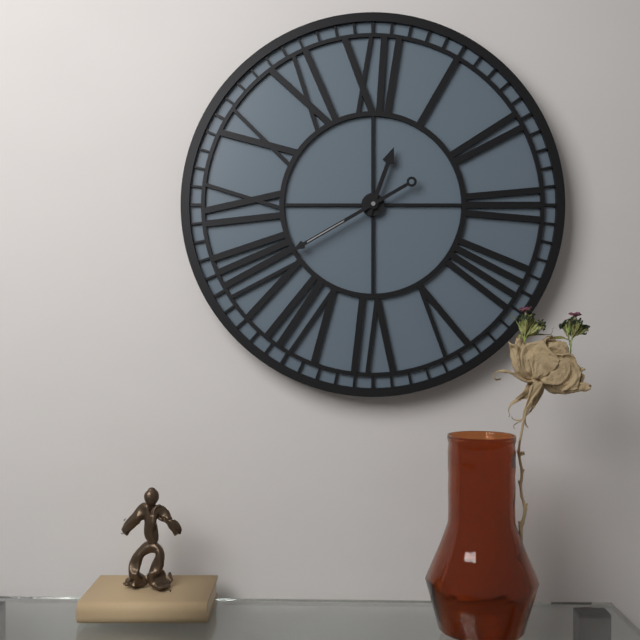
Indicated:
12,40
